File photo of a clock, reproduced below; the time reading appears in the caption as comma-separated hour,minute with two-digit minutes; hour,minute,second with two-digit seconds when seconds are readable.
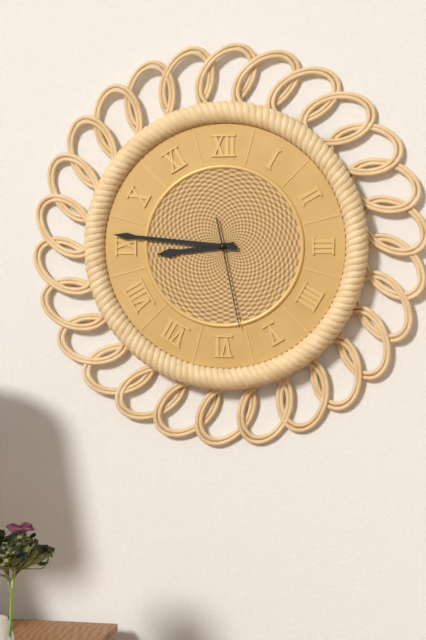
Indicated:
8,46,28
